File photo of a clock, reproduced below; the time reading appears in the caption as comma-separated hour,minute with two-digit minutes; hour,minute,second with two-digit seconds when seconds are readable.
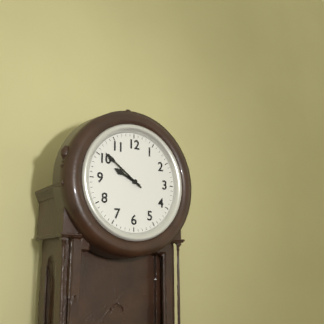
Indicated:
9,51
